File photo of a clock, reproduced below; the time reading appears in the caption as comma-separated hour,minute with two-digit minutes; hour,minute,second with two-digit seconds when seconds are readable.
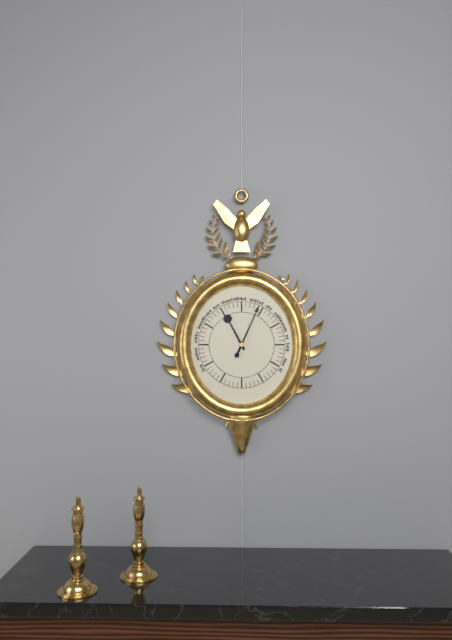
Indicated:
11,04
